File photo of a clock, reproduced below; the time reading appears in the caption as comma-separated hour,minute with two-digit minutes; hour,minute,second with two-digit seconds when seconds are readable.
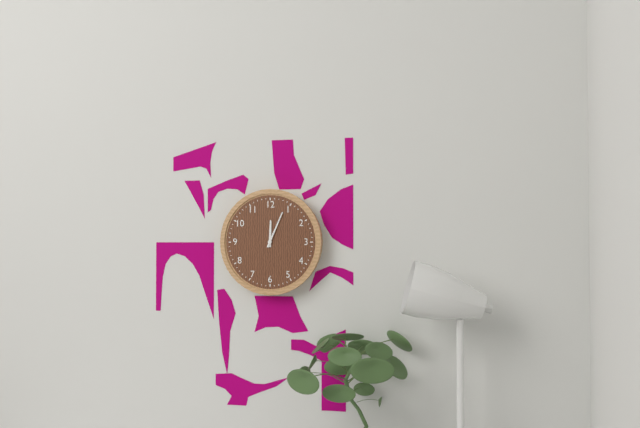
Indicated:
12,04
